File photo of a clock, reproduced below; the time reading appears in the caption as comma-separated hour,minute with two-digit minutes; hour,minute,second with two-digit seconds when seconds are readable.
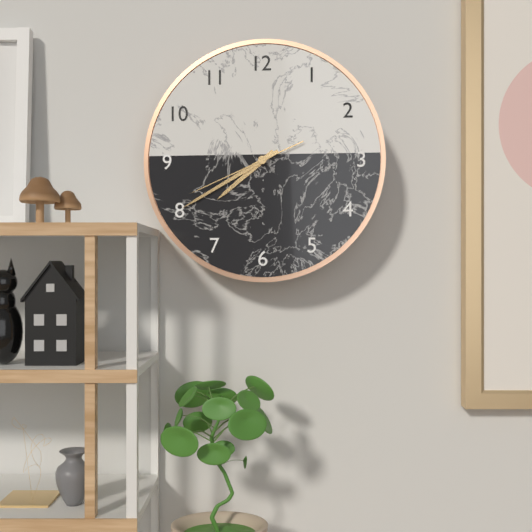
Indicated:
7,40,41
